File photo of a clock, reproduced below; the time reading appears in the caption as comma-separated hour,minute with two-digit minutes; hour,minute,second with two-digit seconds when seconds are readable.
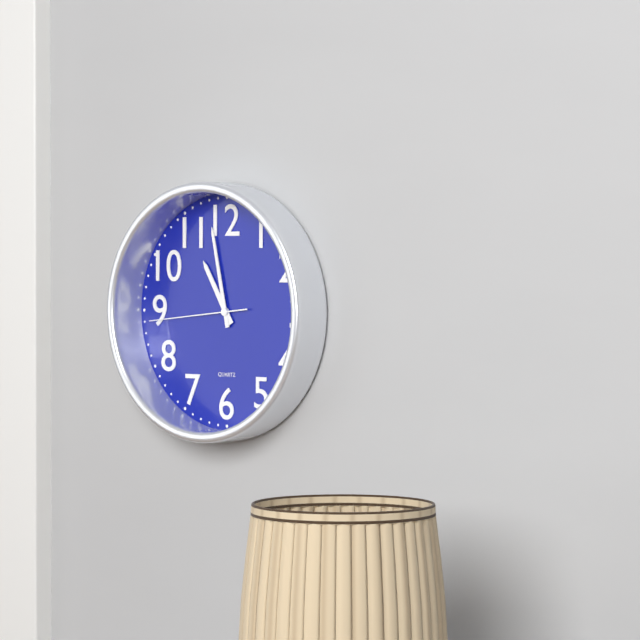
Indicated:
10,58,44
